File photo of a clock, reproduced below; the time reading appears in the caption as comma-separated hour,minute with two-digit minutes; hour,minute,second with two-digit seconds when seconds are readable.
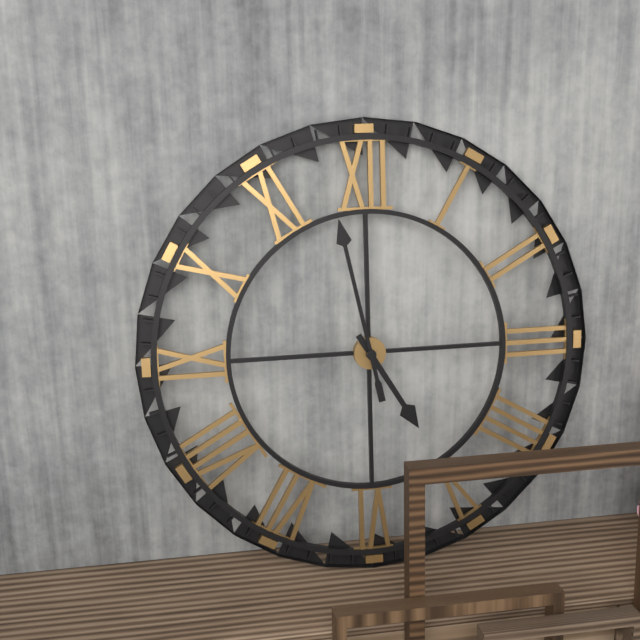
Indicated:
4,58
